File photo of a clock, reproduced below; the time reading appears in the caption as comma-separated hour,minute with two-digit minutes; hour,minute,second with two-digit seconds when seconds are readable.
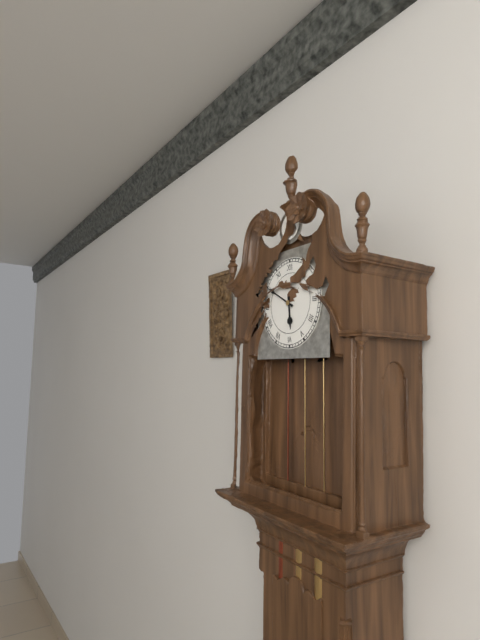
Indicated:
5,50
